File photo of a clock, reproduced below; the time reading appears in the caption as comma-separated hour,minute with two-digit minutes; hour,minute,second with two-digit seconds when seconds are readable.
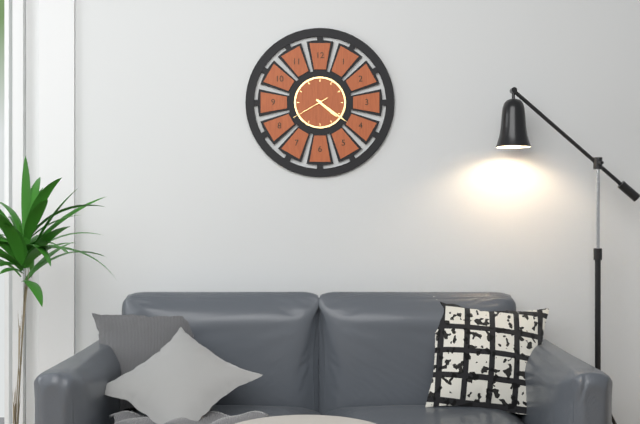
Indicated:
4,21
